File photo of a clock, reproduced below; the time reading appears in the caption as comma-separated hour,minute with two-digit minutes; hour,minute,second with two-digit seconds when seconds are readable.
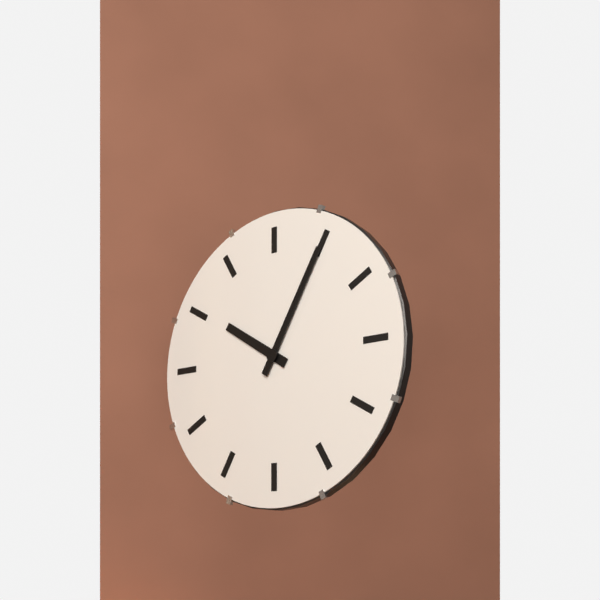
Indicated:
10,05
